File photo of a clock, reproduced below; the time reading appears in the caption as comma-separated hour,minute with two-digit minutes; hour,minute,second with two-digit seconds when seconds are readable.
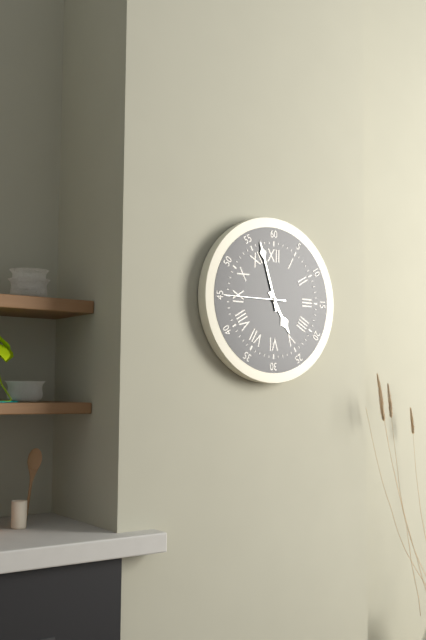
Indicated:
4,57,45
